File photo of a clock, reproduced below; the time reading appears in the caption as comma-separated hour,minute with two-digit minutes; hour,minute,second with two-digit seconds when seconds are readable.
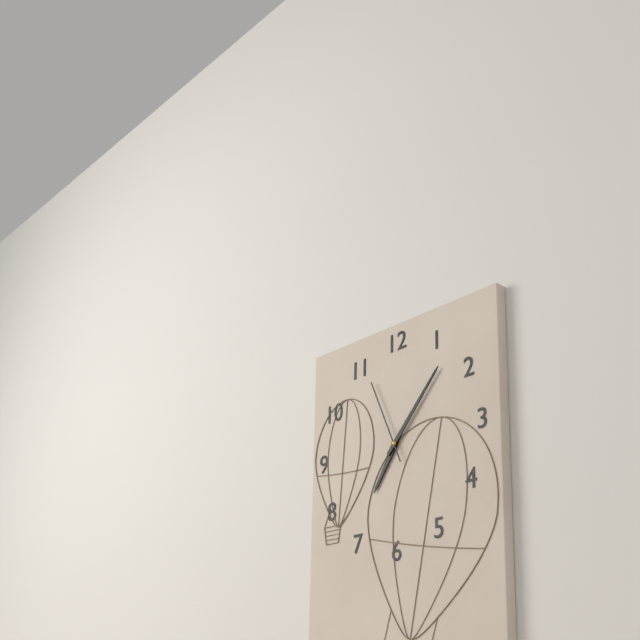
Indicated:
7,07,56
